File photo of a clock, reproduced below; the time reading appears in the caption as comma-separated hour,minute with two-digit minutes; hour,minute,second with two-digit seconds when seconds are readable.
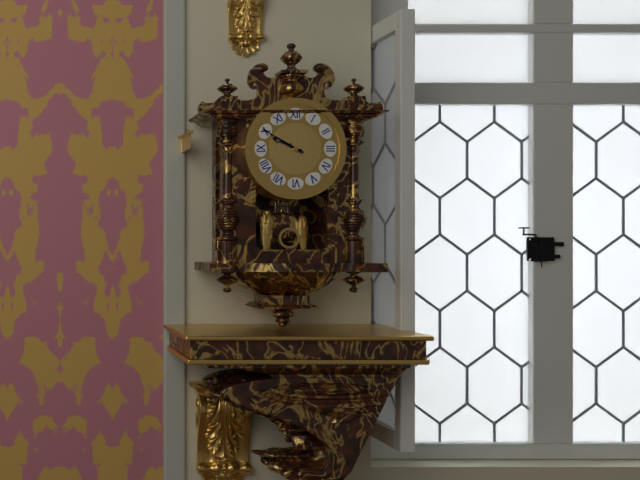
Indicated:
9,50
